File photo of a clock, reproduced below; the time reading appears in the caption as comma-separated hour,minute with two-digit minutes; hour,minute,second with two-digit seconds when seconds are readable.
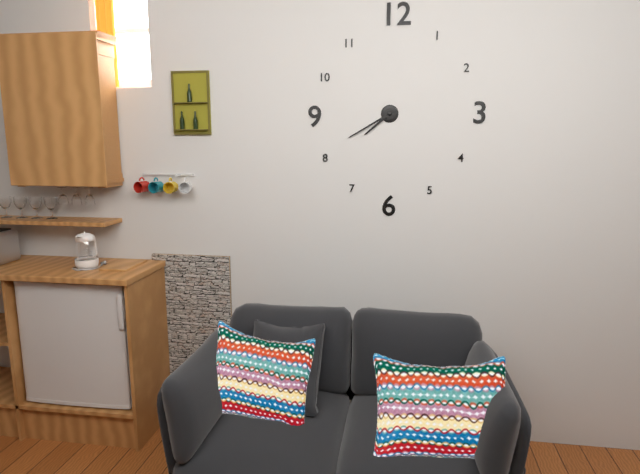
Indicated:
7,40
